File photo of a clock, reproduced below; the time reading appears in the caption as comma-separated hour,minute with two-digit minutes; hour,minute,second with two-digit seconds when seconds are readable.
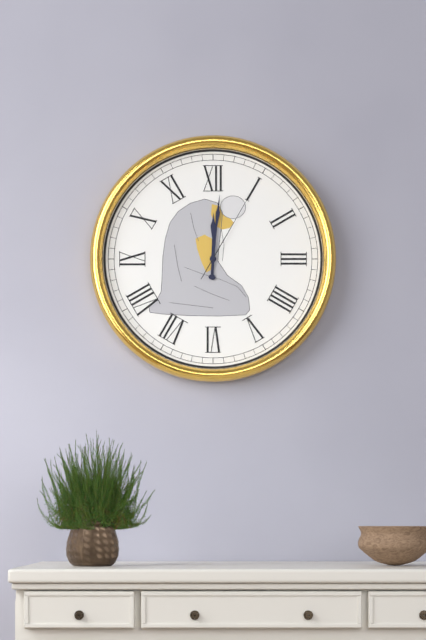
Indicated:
12,01,05
